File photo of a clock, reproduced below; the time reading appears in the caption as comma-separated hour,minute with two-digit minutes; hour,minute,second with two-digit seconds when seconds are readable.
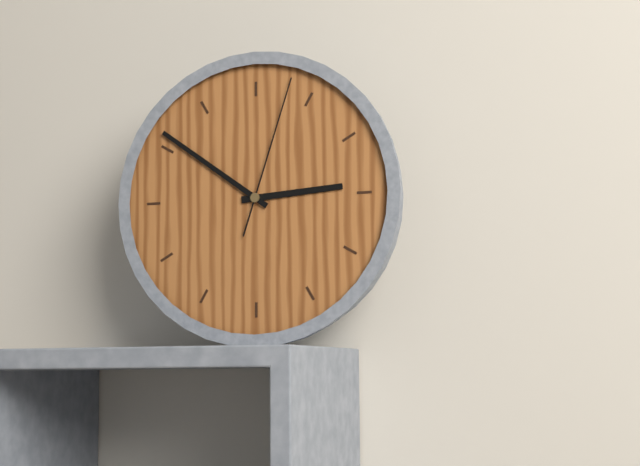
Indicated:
2,51,03
